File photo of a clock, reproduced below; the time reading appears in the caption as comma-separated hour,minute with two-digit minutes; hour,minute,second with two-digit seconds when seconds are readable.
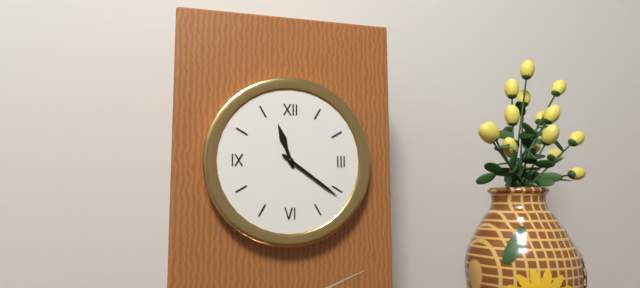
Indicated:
11,21
